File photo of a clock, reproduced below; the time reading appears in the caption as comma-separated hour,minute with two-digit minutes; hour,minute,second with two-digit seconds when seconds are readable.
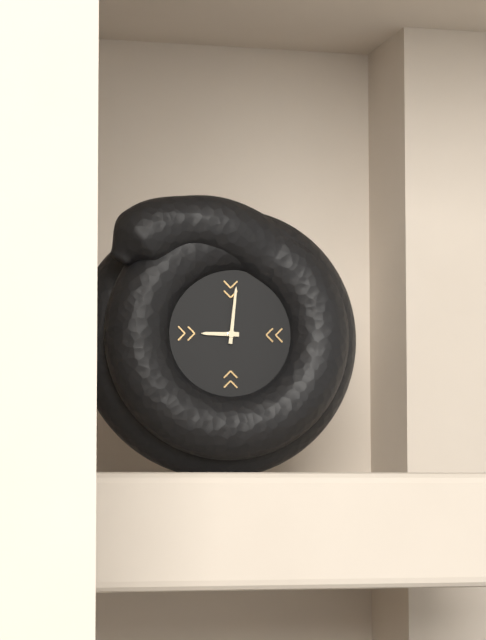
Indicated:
9,01
